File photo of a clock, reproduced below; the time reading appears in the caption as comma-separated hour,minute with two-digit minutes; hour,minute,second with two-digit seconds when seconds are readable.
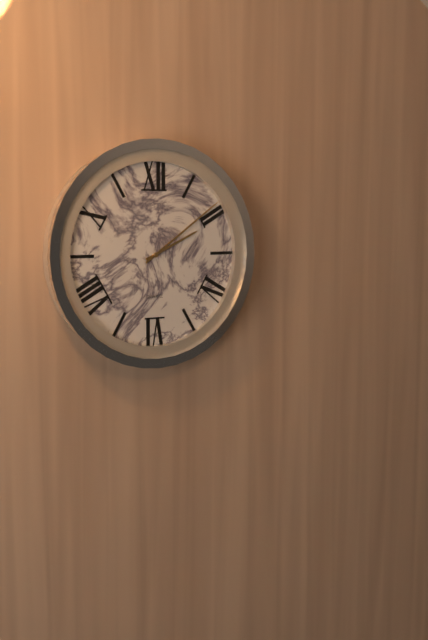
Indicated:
2,09
